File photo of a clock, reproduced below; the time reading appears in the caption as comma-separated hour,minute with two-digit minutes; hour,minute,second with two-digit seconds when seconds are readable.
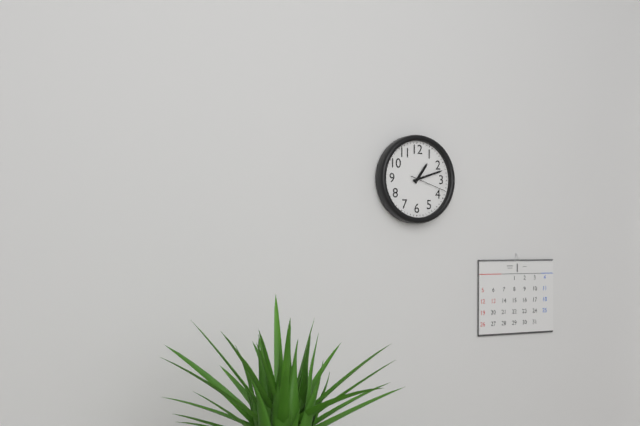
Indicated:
1,12
